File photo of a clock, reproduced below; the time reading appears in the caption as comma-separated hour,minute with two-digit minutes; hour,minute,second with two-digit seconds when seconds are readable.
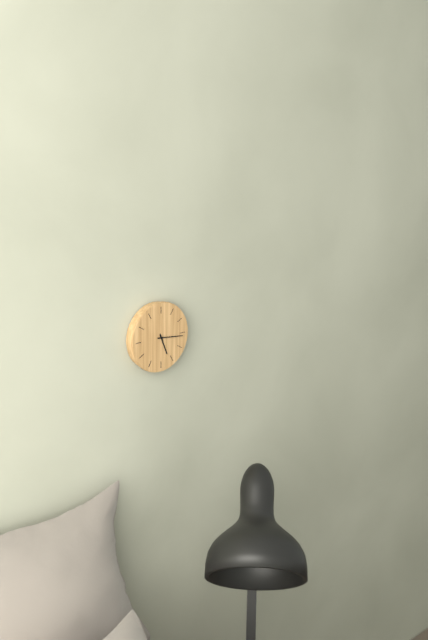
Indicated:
5,16
